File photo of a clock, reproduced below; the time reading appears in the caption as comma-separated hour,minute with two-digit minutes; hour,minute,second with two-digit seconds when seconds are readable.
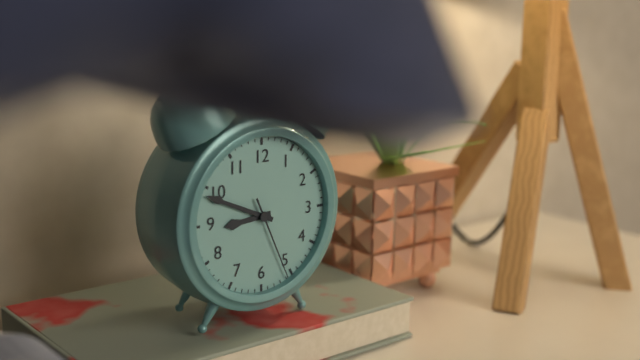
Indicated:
8,49,26
